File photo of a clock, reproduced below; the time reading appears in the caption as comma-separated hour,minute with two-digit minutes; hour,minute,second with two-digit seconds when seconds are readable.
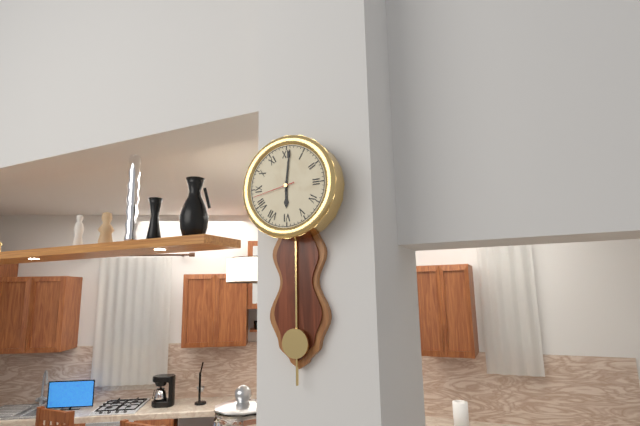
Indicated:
6,01
